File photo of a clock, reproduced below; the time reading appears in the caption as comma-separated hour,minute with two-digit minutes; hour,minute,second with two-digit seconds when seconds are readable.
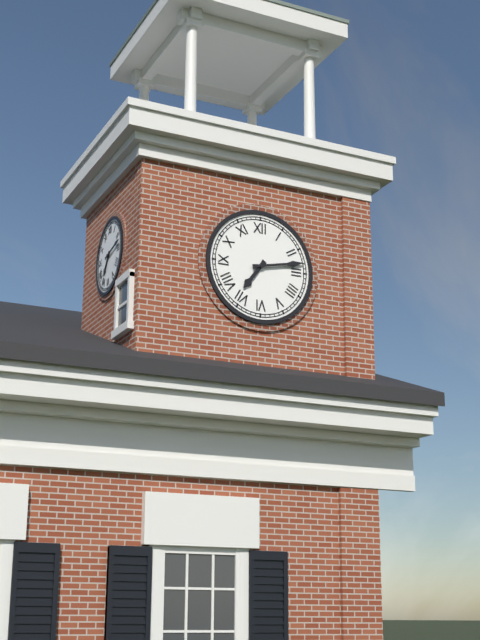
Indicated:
7,13
